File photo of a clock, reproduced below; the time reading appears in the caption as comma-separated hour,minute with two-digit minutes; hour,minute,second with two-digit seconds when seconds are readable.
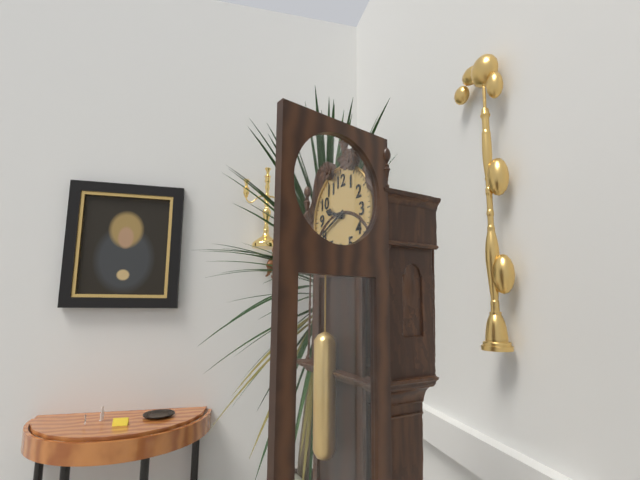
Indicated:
9,41
